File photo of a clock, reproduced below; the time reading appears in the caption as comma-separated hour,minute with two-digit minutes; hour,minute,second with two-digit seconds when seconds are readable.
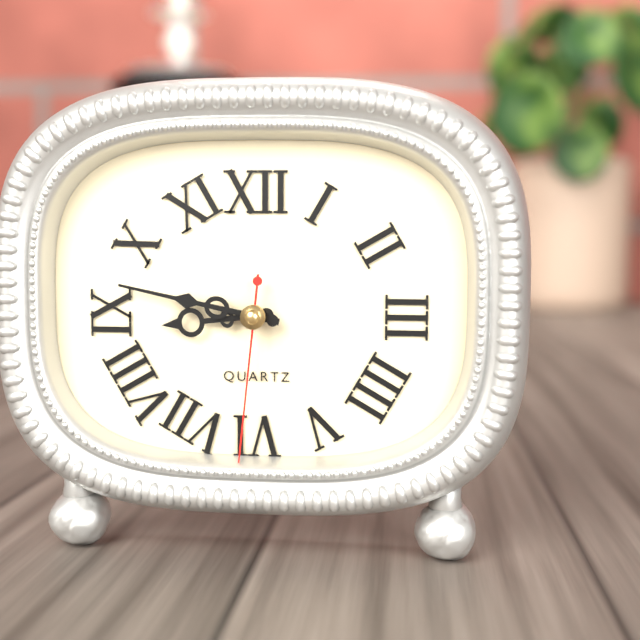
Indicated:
8,47,31
